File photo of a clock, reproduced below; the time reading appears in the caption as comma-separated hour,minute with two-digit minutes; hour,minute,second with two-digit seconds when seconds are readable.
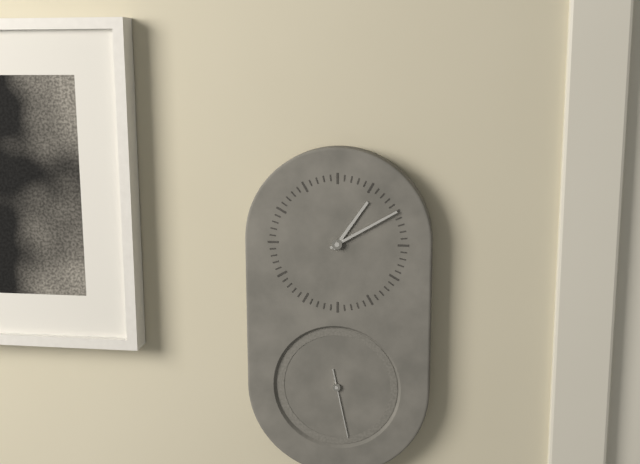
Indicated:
1,10,28
